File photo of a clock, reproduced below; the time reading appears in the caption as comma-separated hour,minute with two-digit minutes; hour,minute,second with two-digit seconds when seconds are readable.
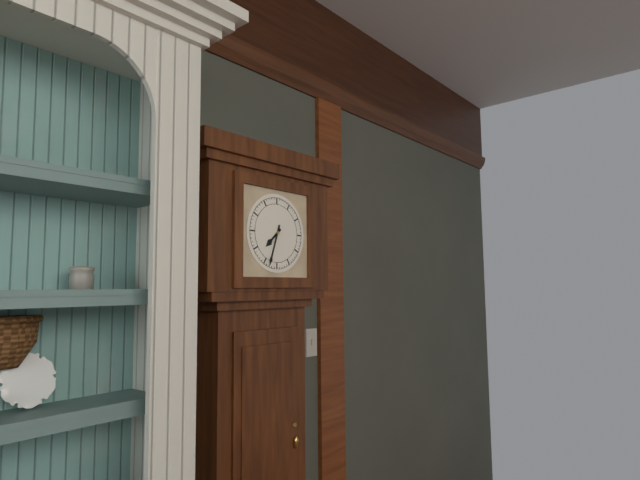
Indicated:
7,33
